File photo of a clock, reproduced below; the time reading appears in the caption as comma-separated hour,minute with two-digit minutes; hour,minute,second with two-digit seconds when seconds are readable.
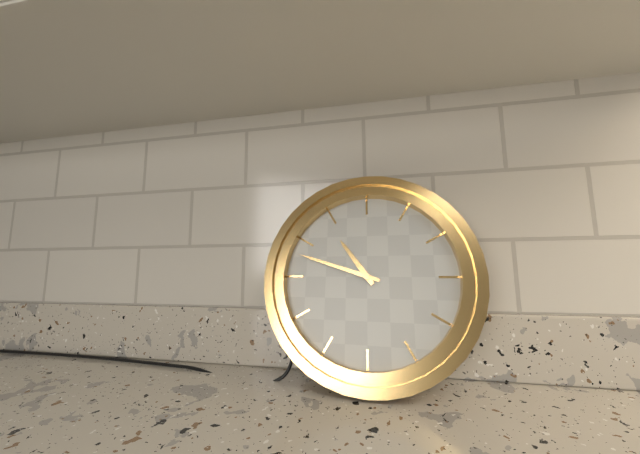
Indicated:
10,48
